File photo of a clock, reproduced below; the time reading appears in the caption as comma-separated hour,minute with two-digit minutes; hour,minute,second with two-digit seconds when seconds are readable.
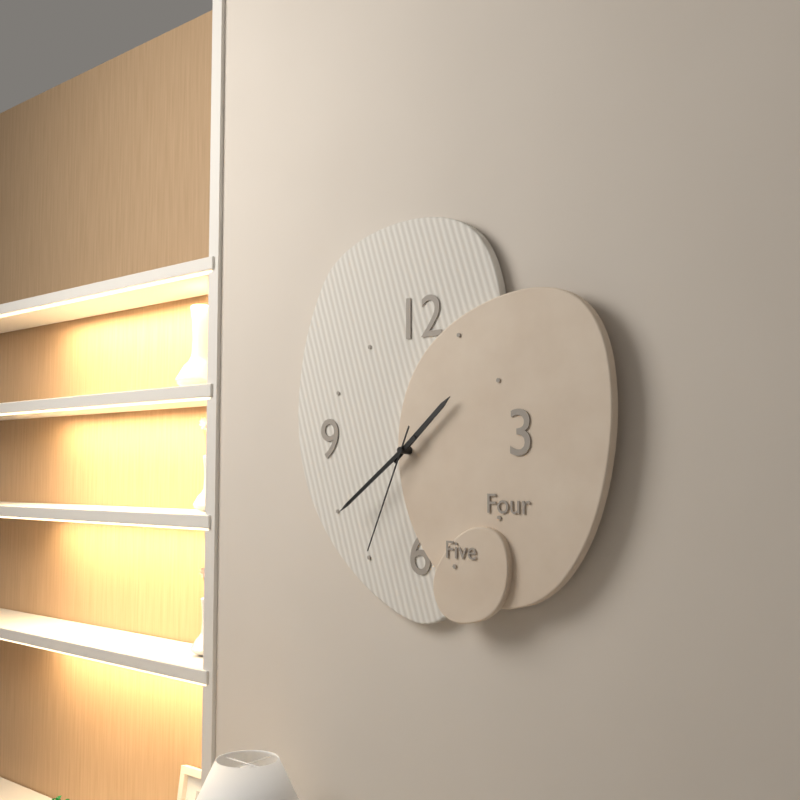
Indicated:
1,39,34
